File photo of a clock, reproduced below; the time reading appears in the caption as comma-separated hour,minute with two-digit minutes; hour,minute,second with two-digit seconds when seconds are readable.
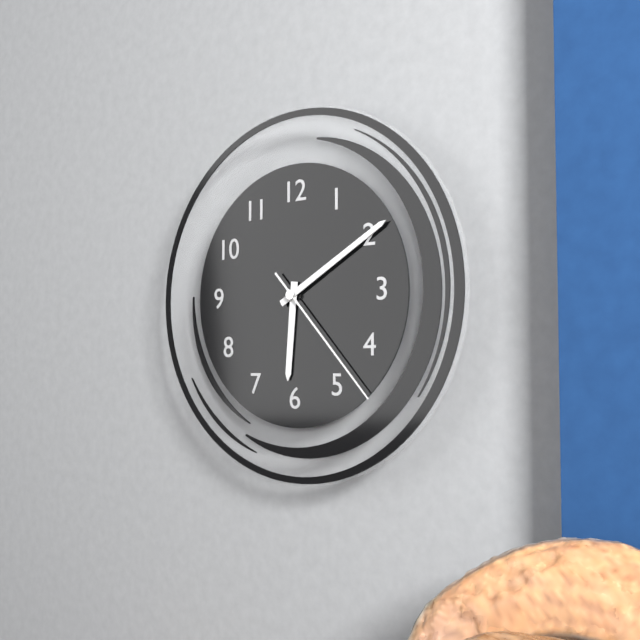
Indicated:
6,10,23
